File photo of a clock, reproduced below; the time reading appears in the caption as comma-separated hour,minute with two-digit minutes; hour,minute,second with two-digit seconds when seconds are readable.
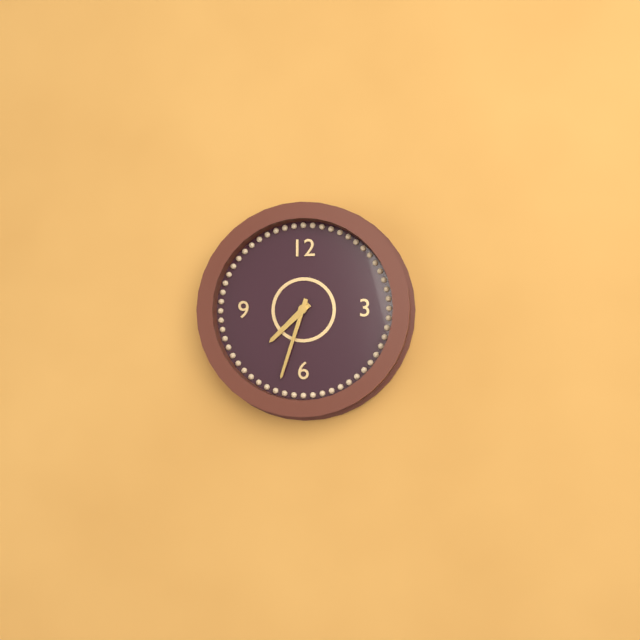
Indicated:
7,33
